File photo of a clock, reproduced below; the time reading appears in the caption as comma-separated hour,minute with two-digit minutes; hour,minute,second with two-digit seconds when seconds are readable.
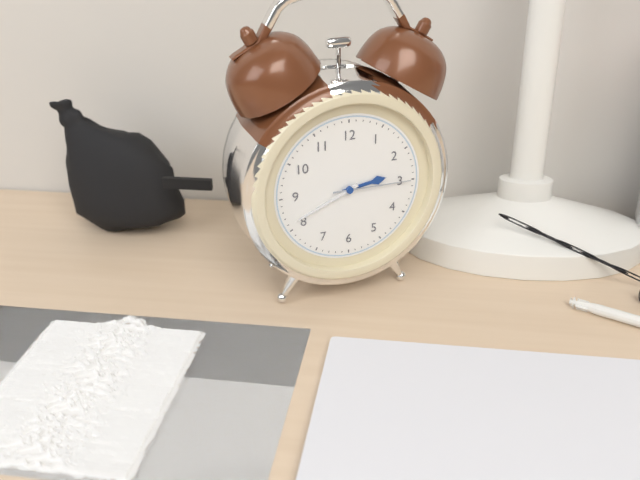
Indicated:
2,41,15
